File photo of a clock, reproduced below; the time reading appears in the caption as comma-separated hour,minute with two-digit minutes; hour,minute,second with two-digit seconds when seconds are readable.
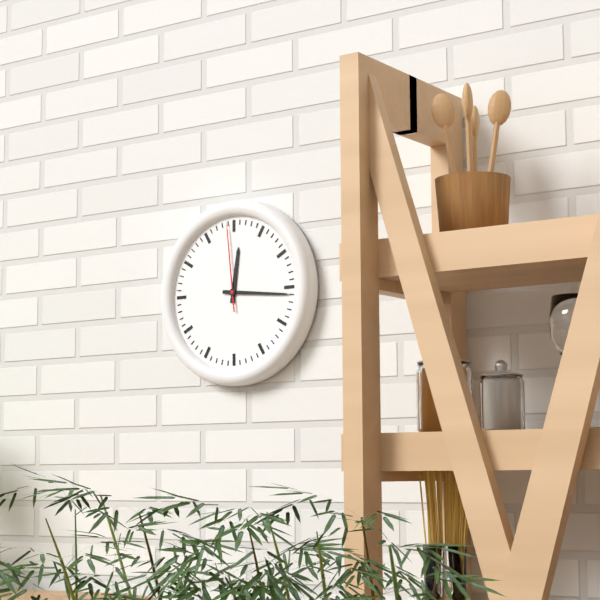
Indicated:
12,16,59
